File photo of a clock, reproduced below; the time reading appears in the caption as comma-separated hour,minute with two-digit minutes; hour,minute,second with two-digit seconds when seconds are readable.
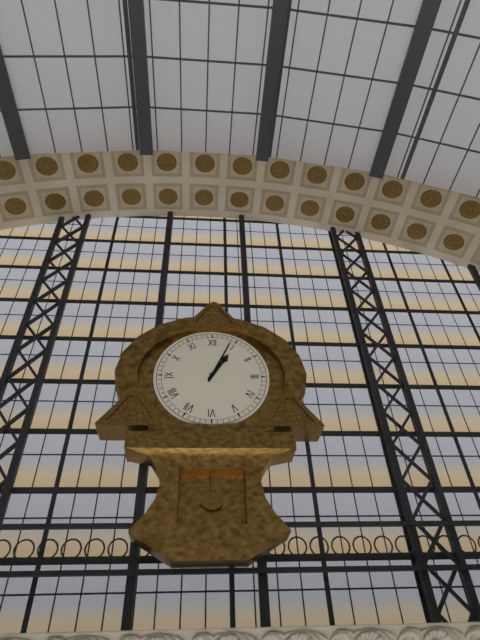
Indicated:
1,04
